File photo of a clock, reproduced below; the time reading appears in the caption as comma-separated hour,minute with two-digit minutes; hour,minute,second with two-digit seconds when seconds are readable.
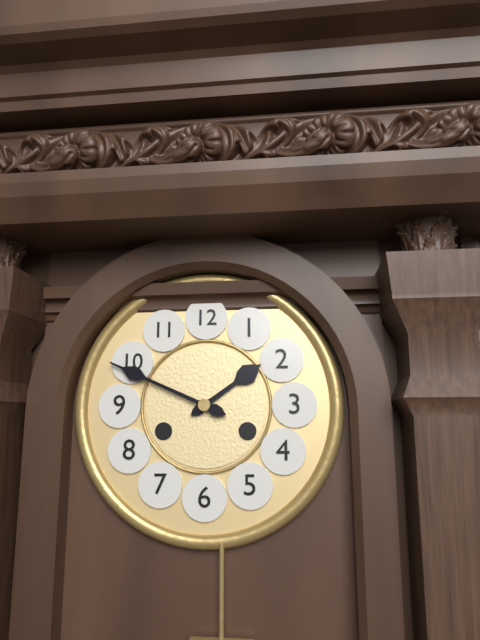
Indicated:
1,49
